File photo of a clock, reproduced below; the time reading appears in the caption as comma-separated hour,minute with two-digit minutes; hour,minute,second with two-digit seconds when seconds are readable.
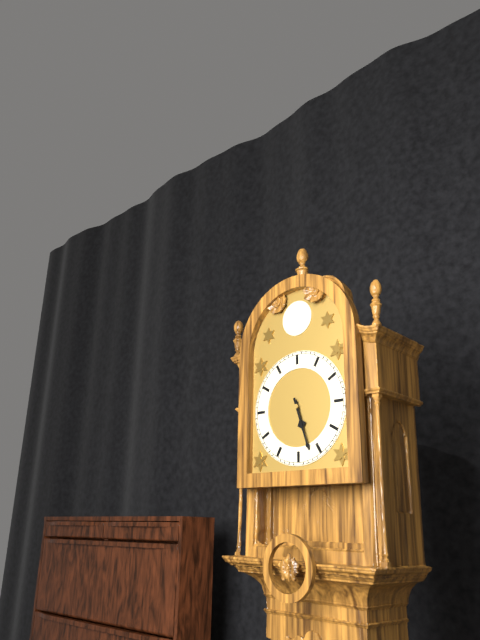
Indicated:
5,27
